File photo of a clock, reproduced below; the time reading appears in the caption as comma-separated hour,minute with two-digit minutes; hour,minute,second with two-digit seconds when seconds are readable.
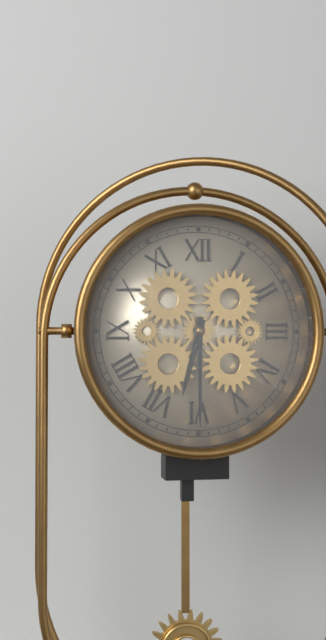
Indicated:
6,30
